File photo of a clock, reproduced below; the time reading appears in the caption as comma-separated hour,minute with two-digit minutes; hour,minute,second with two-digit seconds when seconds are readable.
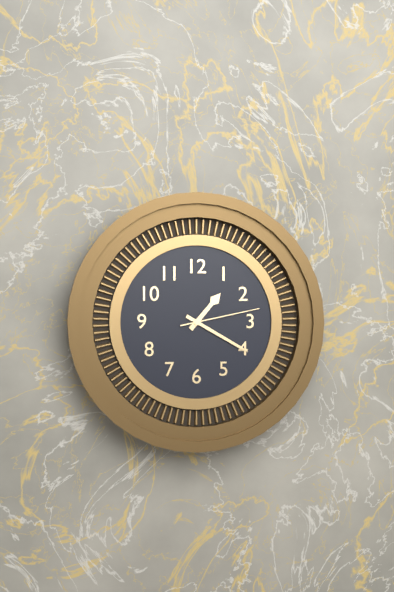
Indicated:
1,20,13
